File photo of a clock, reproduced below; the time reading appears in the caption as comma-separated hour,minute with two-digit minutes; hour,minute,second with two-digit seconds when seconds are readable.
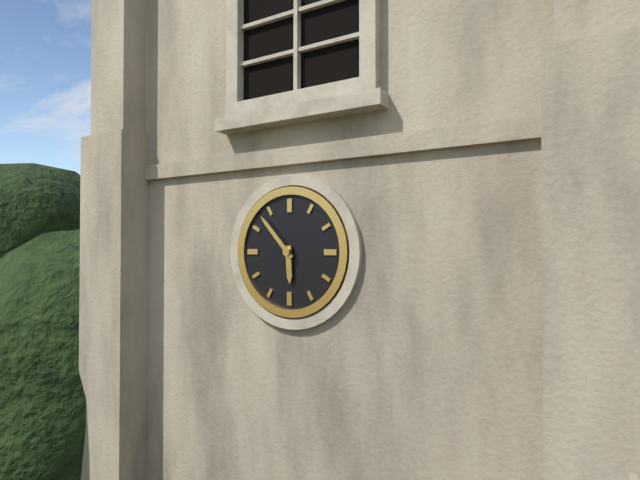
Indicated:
5,53
